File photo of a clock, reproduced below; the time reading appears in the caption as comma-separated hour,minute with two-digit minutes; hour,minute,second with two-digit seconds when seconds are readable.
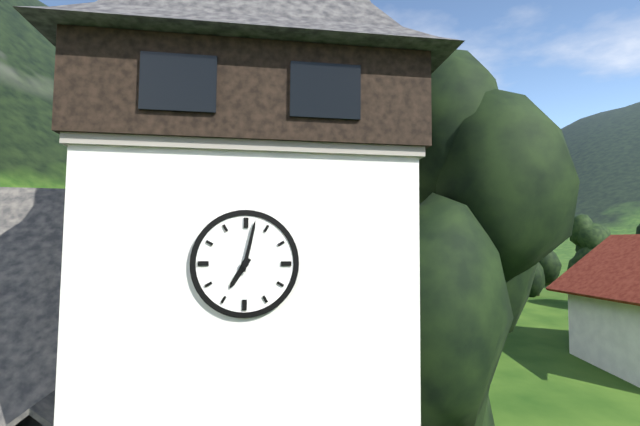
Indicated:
7,02
